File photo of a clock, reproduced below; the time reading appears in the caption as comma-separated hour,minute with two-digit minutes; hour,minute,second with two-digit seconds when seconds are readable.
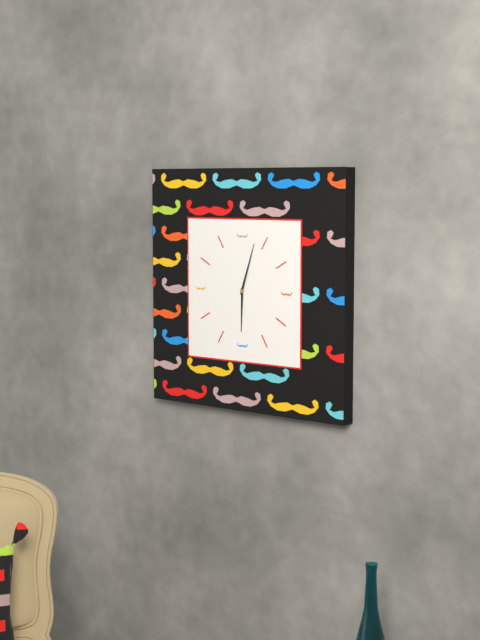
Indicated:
6,03
